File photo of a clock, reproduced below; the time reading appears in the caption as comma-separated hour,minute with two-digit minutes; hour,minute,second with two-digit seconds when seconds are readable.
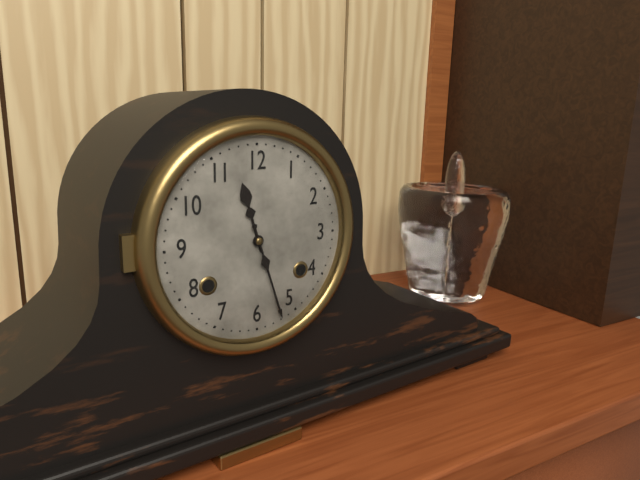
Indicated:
11,27
